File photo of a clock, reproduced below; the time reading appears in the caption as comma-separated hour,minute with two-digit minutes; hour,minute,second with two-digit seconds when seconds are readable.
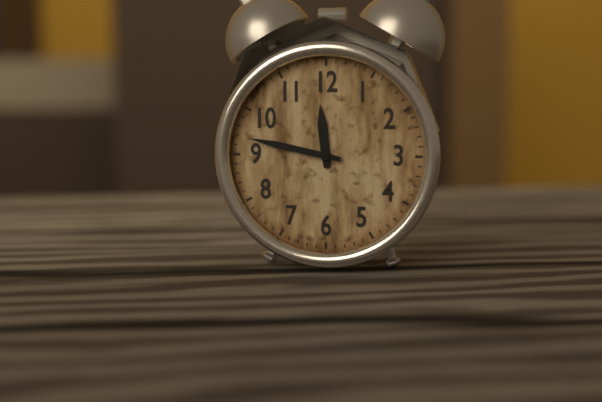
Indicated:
11,47
